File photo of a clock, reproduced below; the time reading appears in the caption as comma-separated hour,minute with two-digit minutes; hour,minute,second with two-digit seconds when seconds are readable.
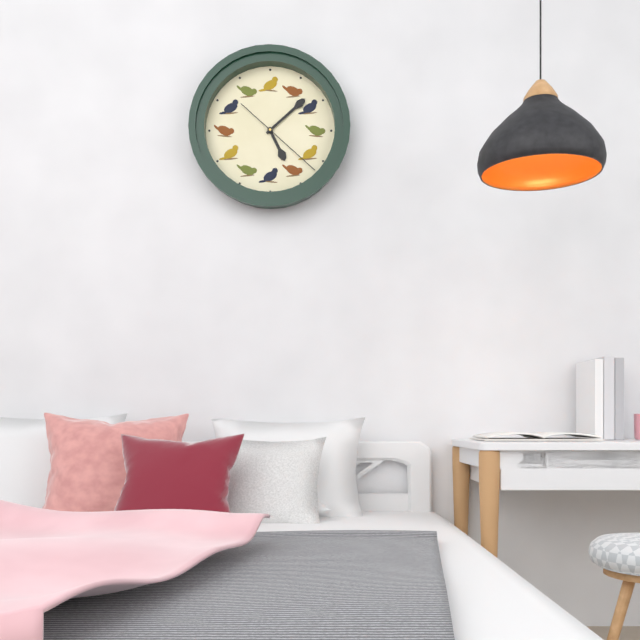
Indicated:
5,08,22
